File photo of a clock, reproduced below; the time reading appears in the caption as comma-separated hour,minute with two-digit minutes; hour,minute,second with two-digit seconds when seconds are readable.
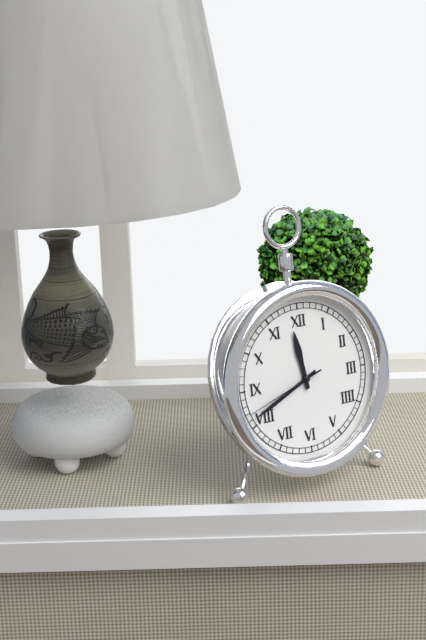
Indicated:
11,41,42
